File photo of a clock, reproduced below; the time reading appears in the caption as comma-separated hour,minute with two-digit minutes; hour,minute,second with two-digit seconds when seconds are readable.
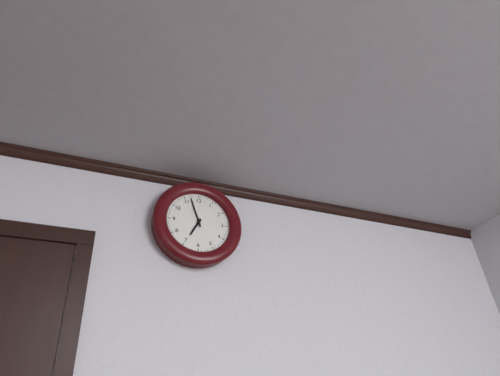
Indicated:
6,57
